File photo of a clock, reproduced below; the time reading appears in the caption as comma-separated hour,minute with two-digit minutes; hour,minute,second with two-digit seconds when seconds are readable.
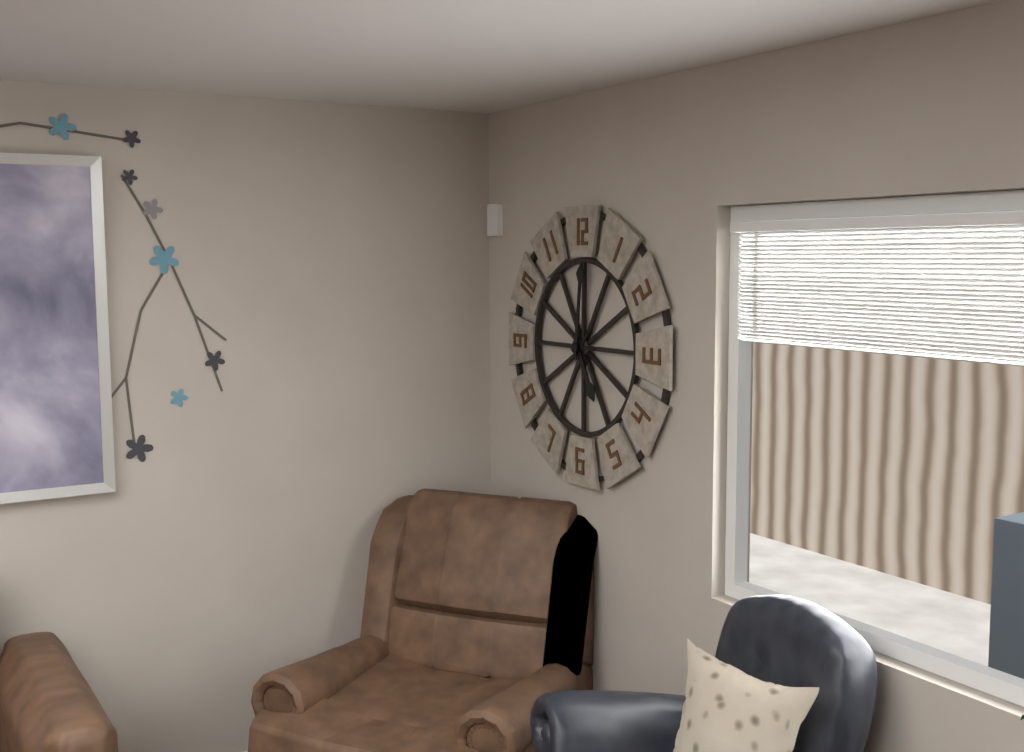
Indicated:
5,01
